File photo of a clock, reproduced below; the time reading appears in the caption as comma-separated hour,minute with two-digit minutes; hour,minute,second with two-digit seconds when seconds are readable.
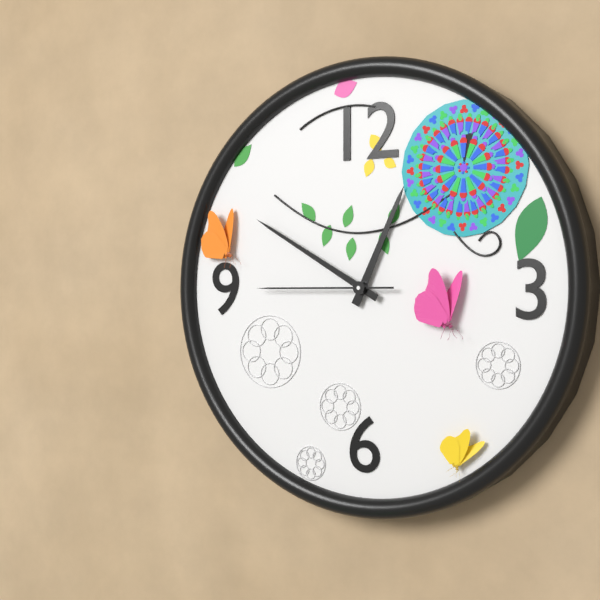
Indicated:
12,50,45
